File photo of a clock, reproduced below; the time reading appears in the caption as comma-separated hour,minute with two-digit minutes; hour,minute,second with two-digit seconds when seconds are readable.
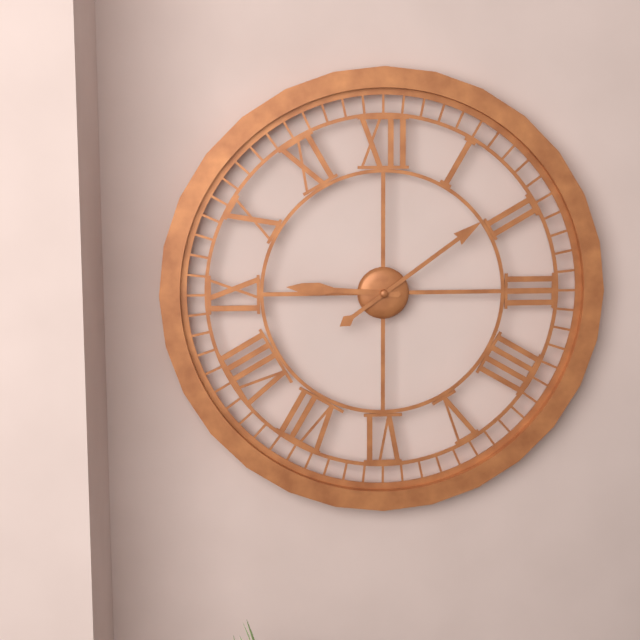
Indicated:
9,09
